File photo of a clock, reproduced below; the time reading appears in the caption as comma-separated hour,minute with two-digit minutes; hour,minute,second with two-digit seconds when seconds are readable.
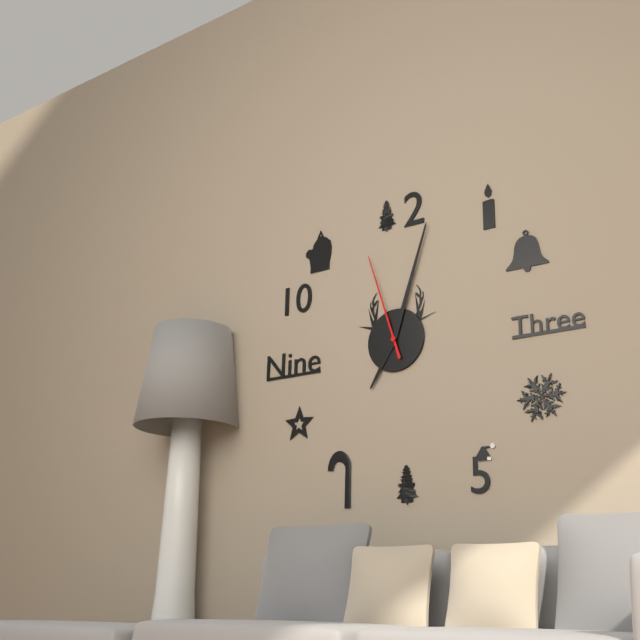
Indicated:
7,03,57
